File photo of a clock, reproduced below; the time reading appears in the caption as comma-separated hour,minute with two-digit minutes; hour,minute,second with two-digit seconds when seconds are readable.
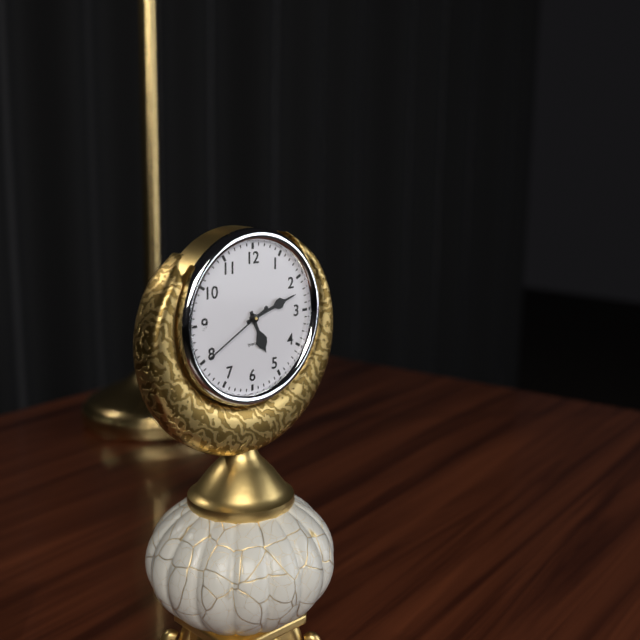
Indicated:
5,12,40
